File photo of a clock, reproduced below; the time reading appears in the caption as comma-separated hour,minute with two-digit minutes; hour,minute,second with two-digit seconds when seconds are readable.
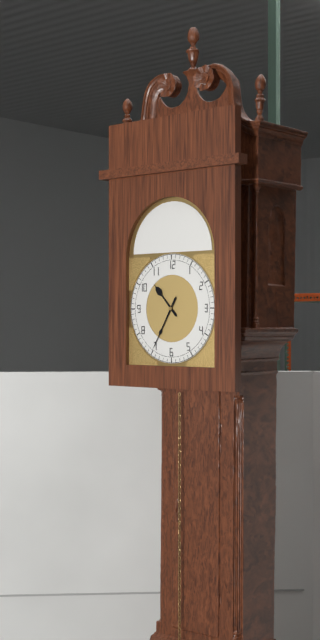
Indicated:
10,35
